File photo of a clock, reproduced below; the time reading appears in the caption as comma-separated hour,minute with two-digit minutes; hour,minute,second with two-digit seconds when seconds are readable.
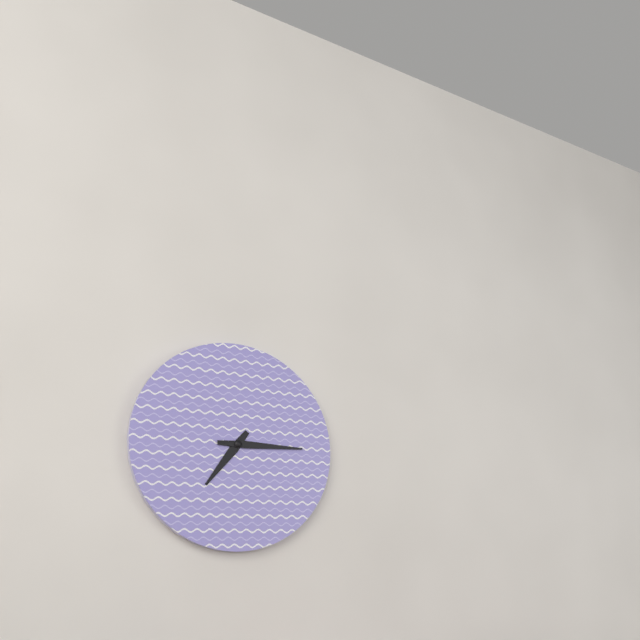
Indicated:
7,15
